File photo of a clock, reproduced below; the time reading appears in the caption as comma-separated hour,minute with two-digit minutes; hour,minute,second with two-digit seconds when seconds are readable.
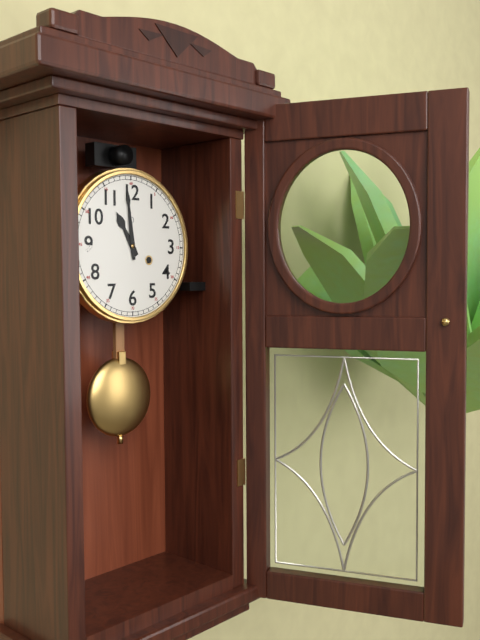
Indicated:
10,59
